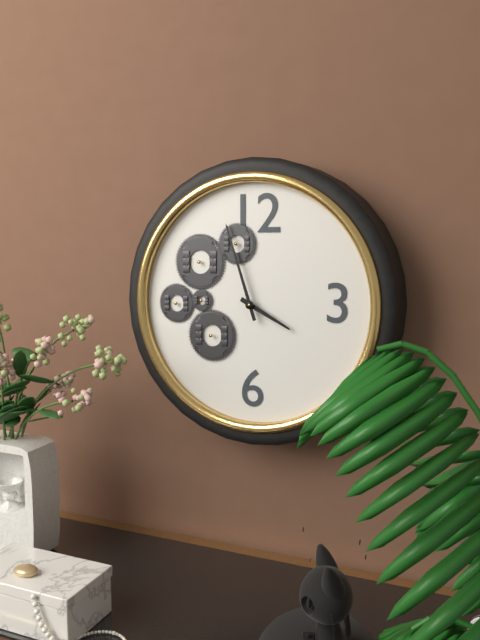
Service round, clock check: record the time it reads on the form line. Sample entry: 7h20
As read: 3h57
